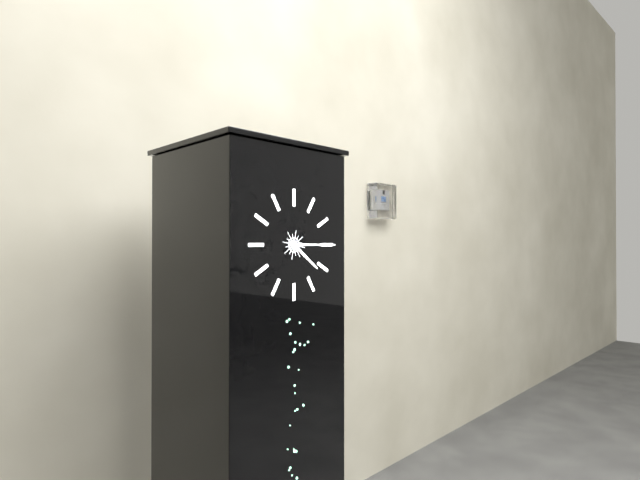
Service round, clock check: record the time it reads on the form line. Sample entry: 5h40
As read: 4h15
